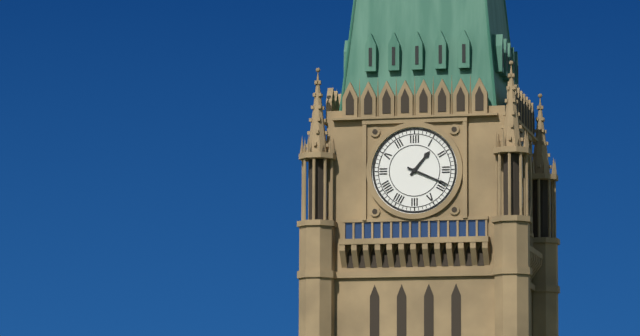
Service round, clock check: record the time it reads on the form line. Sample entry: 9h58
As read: 1h19
